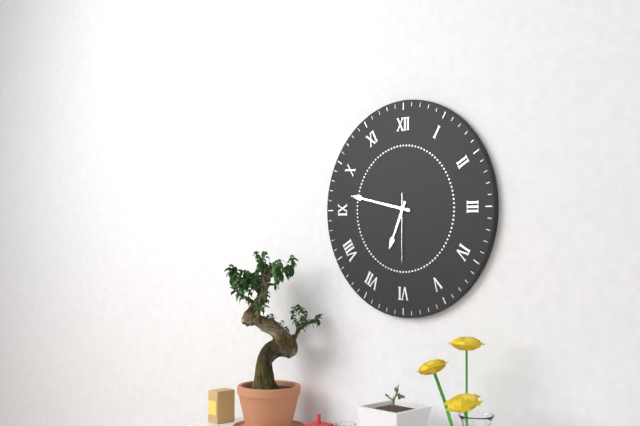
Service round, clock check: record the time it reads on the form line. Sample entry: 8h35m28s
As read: 6h47m30s
